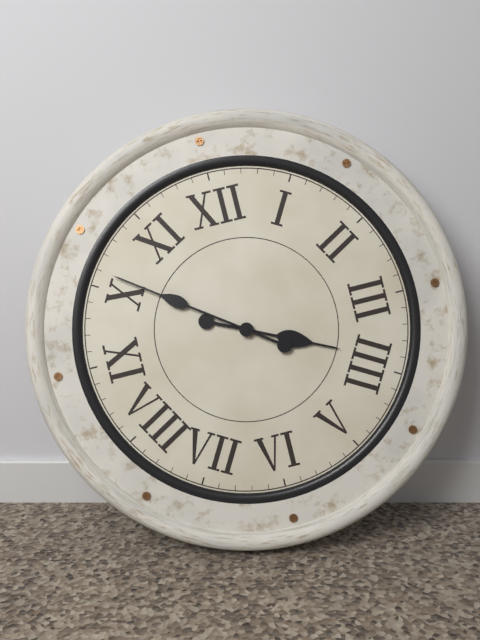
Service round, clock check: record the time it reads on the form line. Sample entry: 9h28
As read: 3h51
